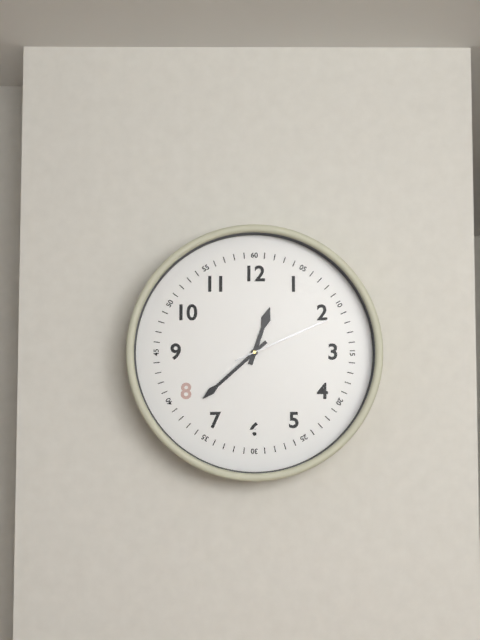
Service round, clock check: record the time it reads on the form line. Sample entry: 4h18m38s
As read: 12h38m11s
